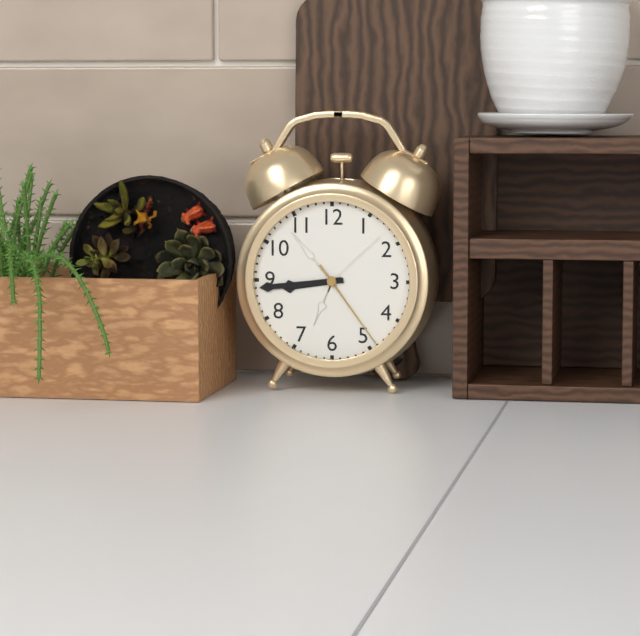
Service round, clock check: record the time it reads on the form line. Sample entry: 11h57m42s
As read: 8h44m24s
